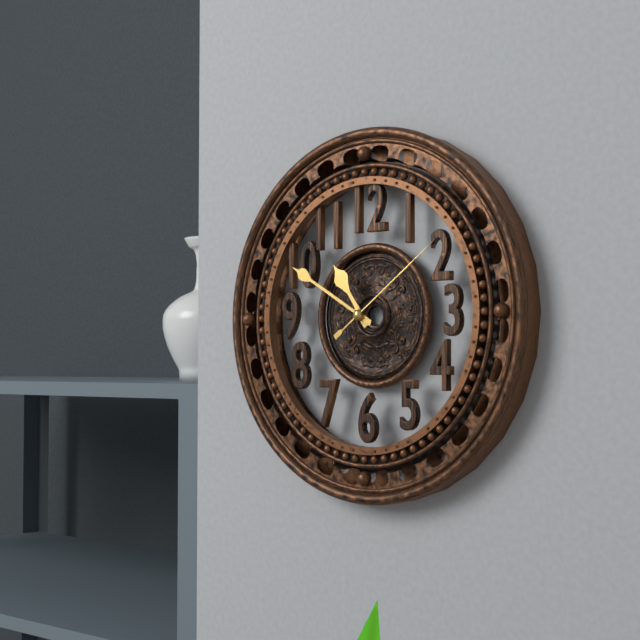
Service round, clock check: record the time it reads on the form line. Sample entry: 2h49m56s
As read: 10h50m09s
